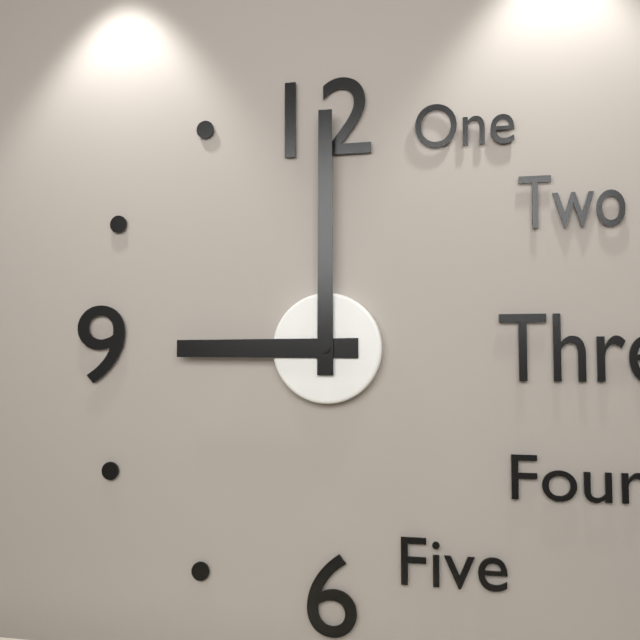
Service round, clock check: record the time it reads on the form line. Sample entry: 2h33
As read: 9h00
